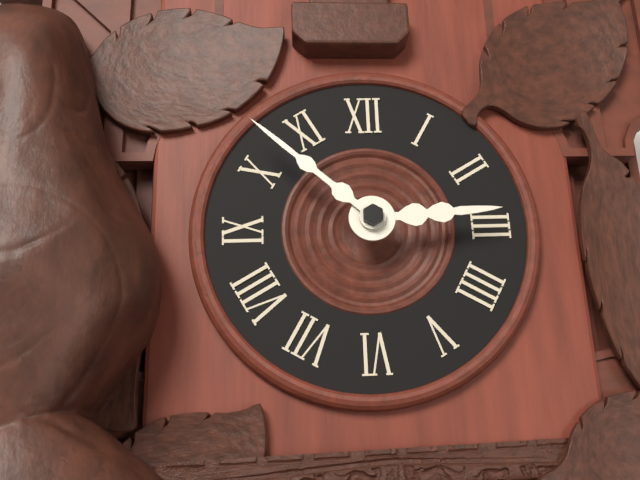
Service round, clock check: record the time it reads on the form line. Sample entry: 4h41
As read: 2h52
